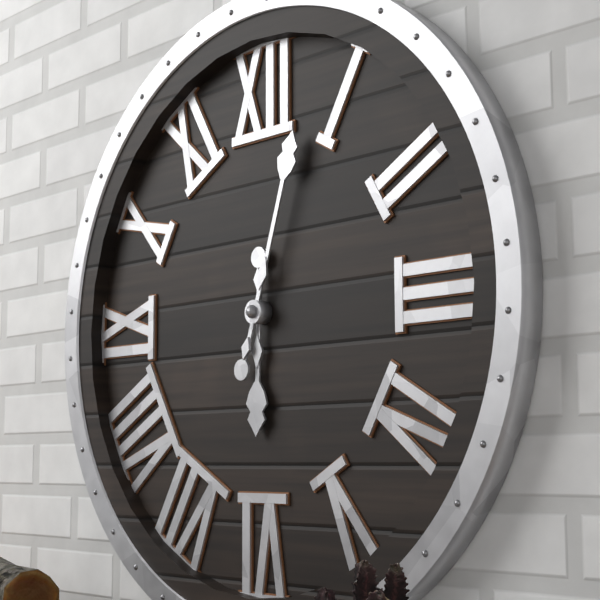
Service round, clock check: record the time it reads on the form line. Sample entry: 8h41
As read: 6h03
